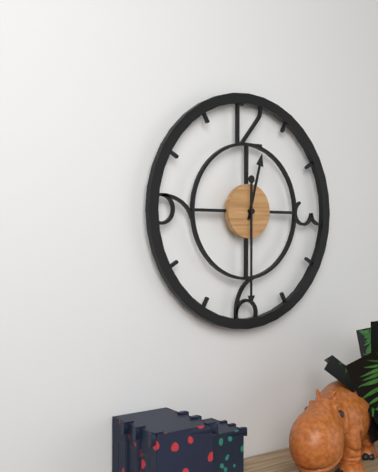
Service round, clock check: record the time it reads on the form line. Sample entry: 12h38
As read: 12h30
